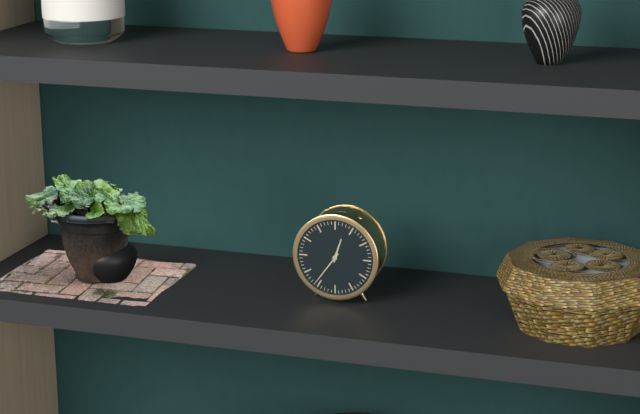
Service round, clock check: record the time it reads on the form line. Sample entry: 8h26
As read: 12h36
